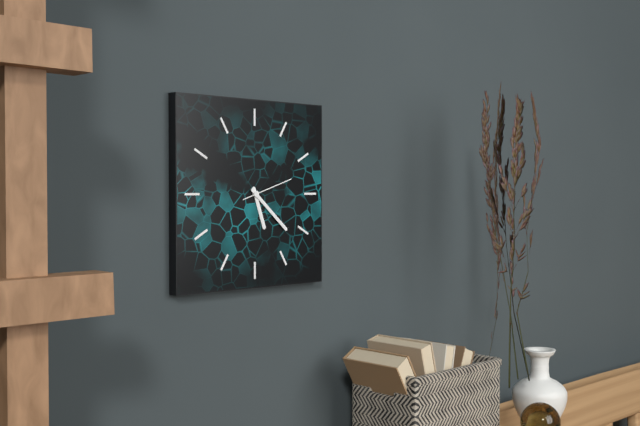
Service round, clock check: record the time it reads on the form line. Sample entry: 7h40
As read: 5h22
